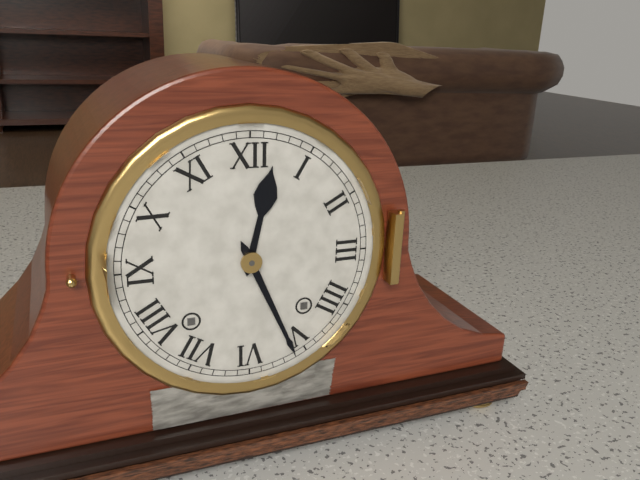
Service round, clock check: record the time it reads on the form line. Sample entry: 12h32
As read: 12h26
